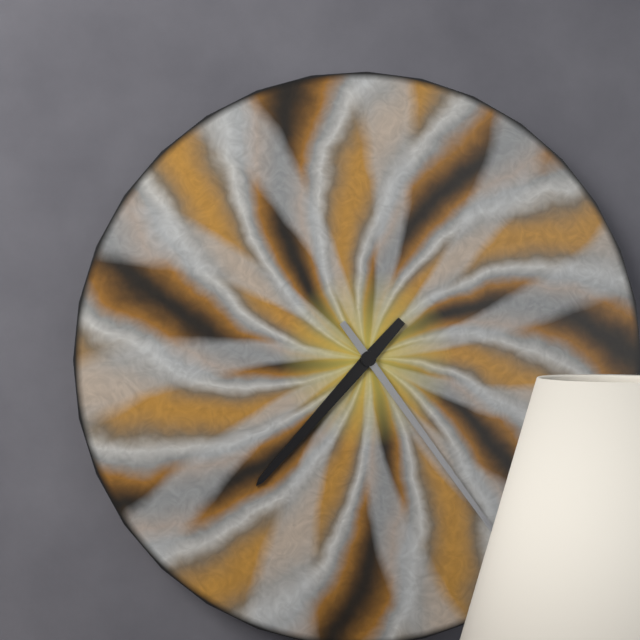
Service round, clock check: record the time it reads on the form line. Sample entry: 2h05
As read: 7h24
